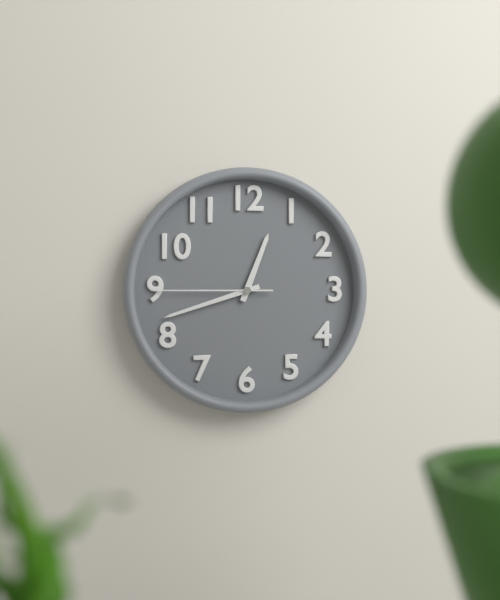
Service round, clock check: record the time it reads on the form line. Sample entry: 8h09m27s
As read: 12h42m45s
